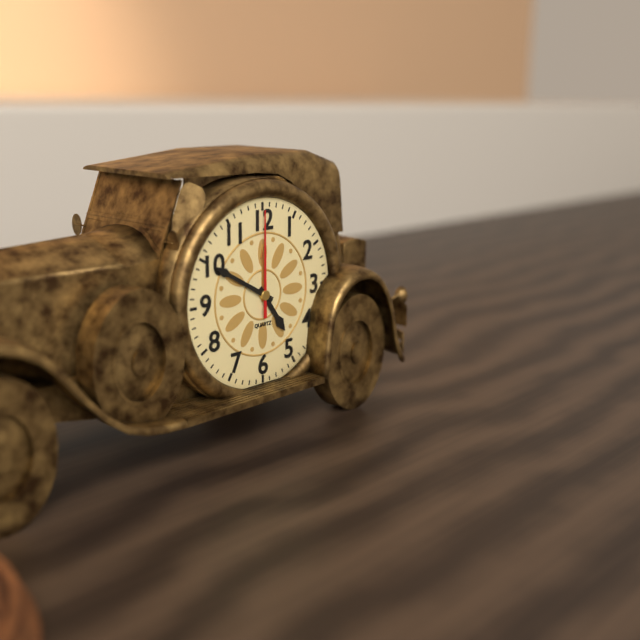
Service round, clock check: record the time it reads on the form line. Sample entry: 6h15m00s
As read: 4h50m00s
